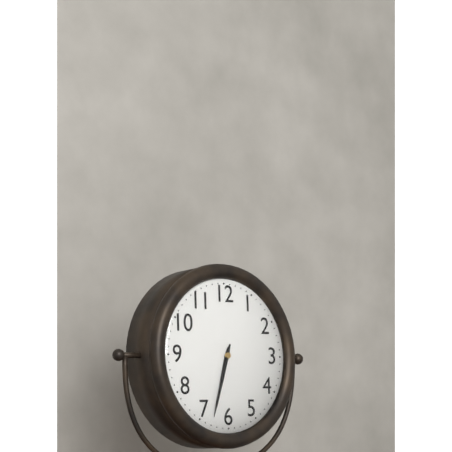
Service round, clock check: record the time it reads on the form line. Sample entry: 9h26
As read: 6h33
